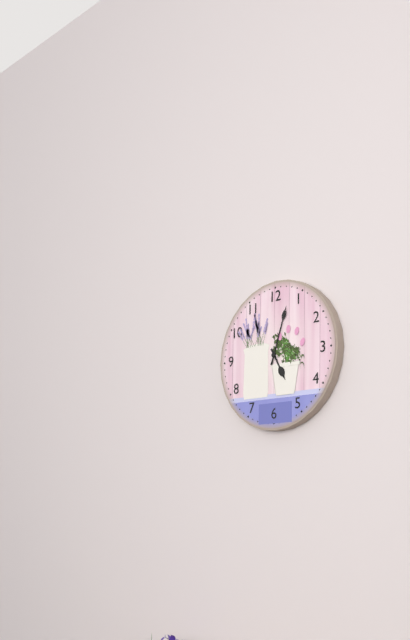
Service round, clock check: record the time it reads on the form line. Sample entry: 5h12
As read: 5h03
